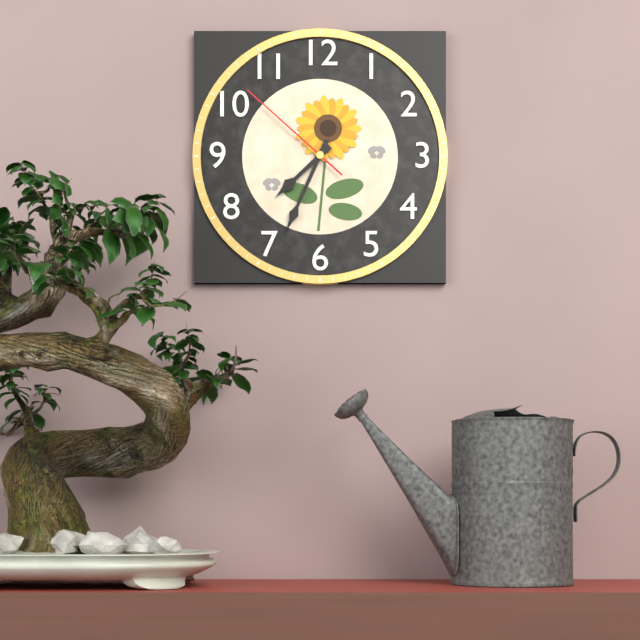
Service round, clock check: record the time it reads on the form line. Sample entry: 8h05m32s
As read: 7h34m52s
